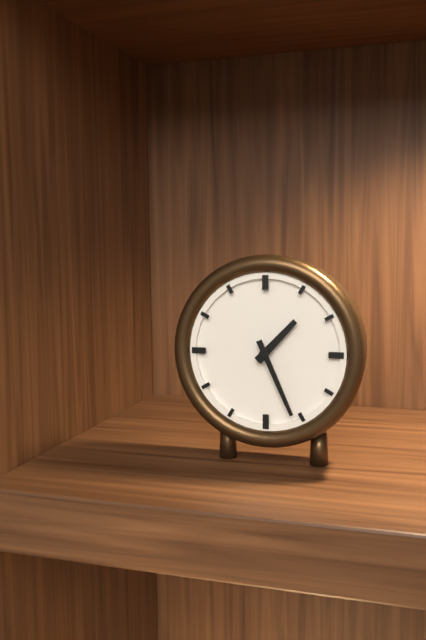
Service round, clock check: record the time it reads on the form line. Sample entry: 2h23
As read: 1h26
